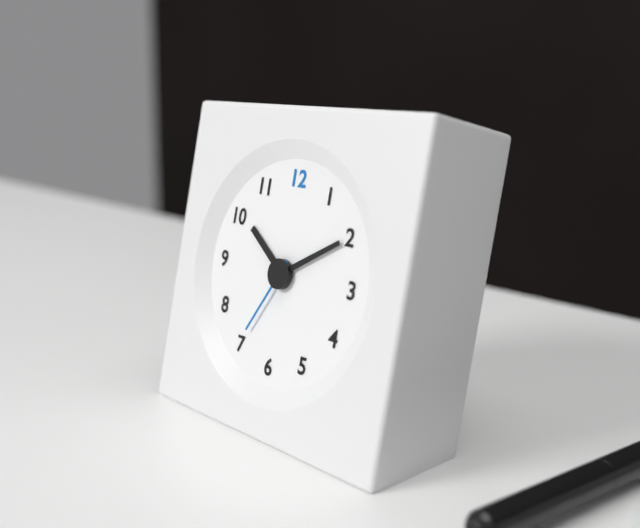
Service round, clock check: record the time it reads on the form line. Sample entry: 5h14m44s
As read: 10h10m35s
